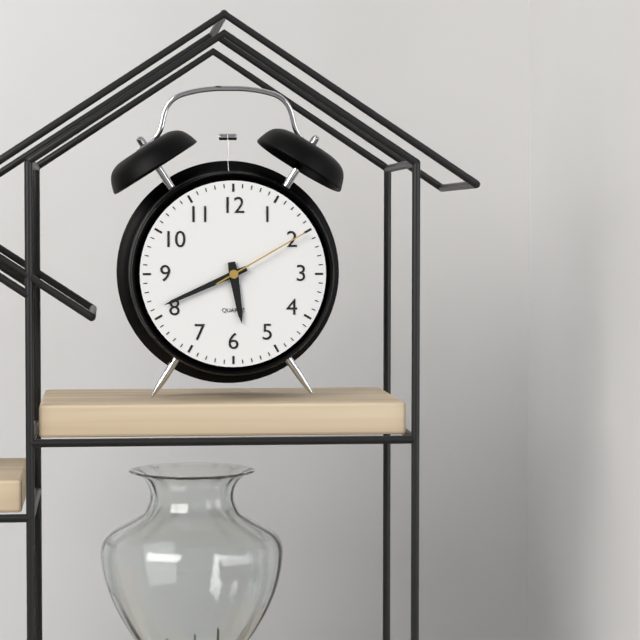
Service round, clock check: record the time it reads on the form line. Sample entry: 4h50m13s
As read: 5h41m10s
